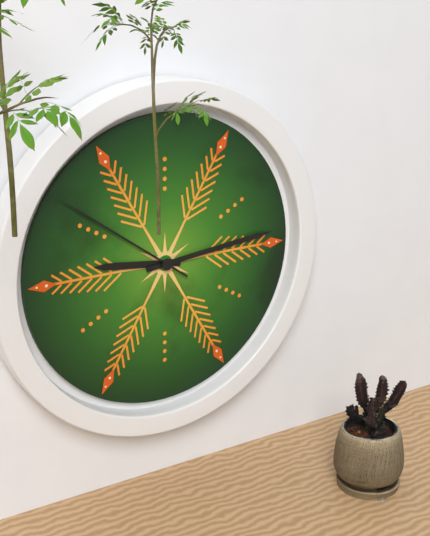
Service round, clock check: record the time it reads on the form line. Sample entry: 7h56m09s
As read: 9h14m51s
